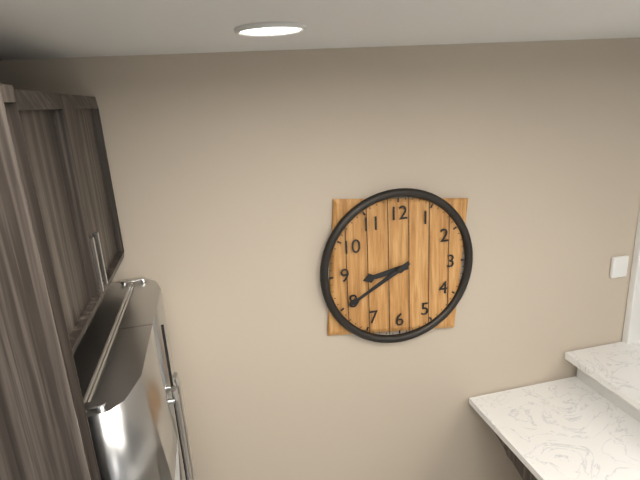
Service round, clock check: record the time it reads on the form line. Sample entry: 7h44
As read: 8h40
